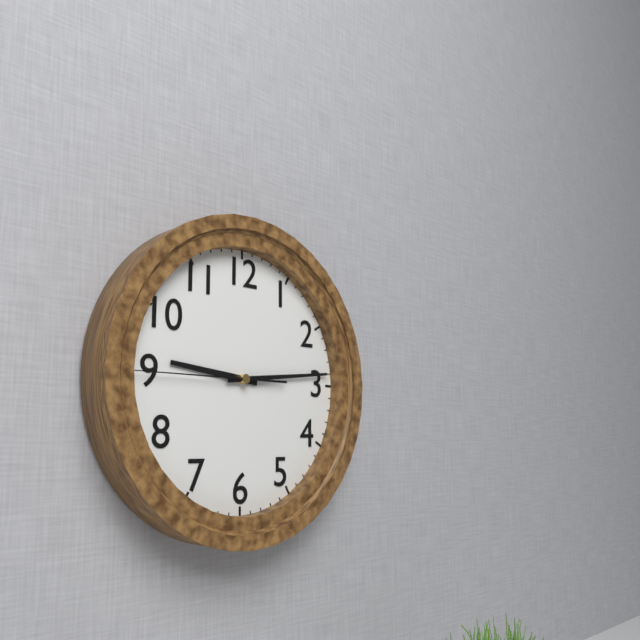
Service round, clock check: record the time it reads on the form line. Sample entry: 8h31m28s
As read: 9h14m45s
